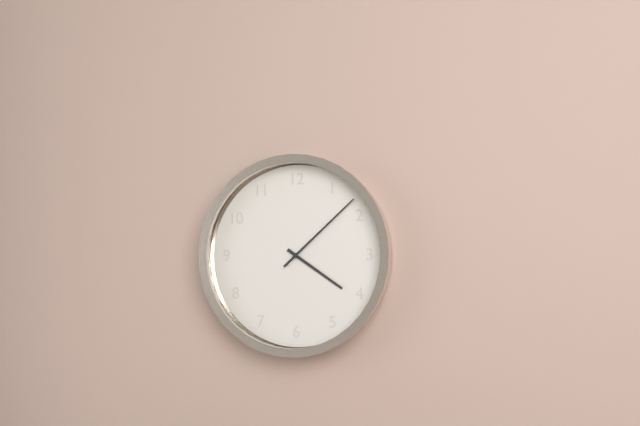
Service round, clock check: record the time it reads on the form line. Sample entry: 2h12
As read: 4h08
